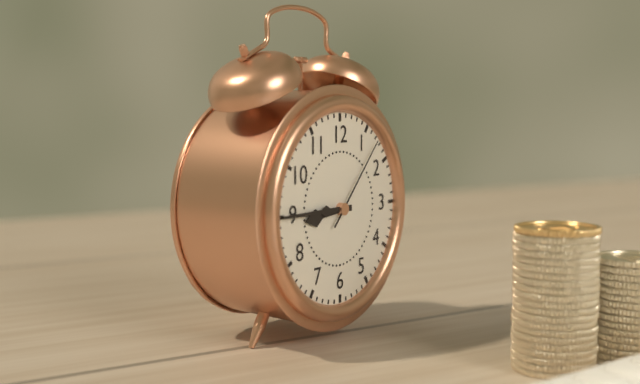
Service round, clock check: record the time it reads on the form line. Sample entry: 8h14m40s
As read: 8h45m07s
